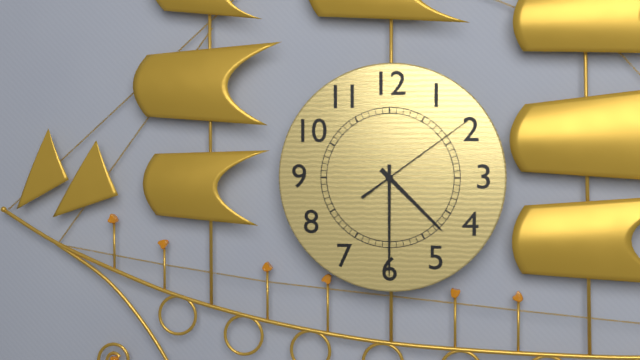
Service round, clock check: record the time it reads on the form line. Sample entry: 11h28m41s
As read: 4h30m09s
